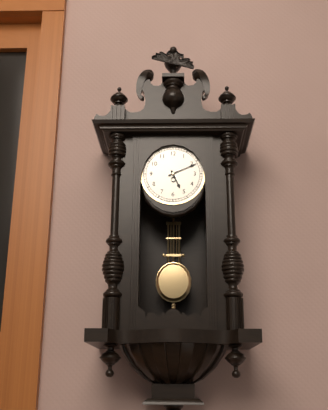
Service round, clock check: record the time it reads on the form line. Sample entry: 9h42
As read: 5h11
